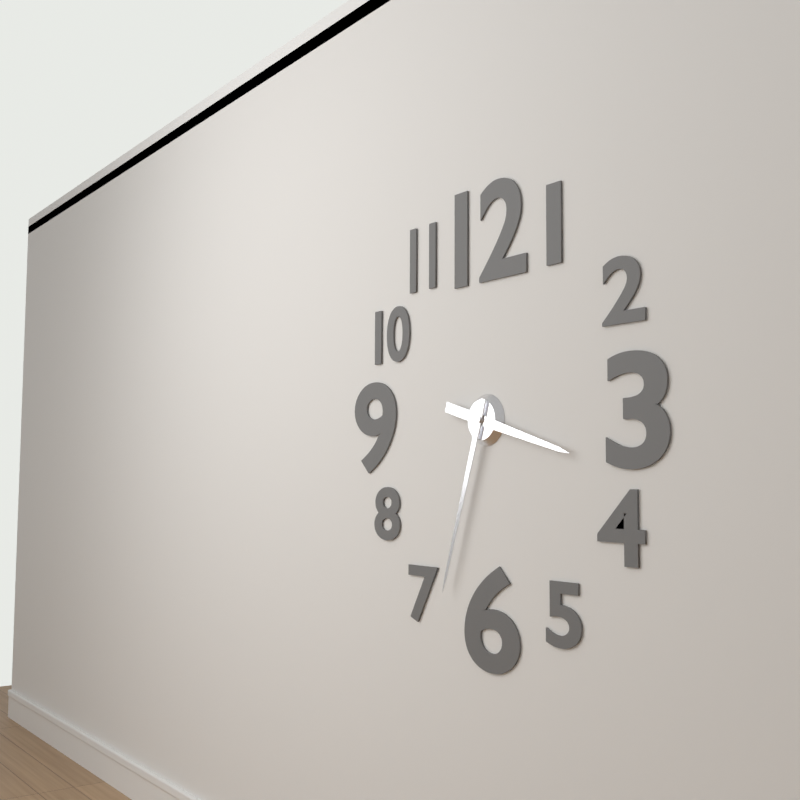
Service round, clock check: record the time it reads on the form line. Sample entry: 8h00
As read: 3h33
